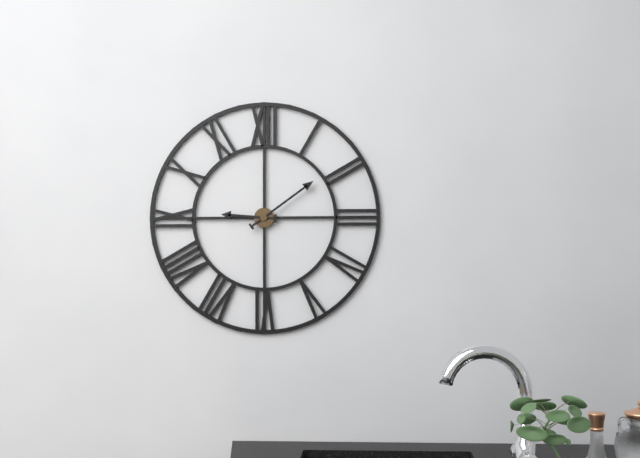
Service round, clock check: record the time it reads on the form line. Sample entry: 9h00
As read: 9h09
